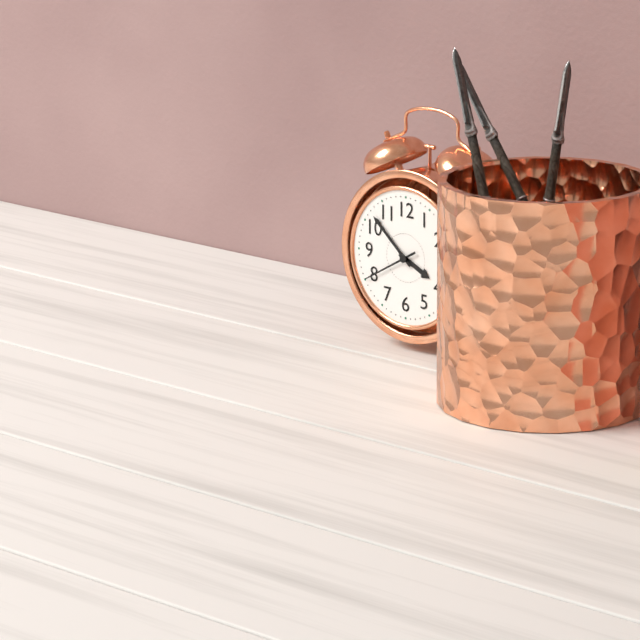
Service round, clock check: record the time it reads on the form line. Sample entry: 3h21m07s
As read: 3h52m40s
